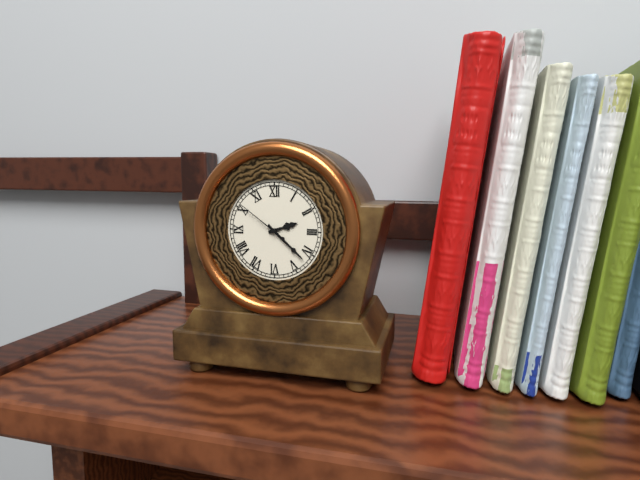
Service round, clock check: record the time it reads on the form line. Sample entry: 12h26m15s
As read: 2h22m51s
